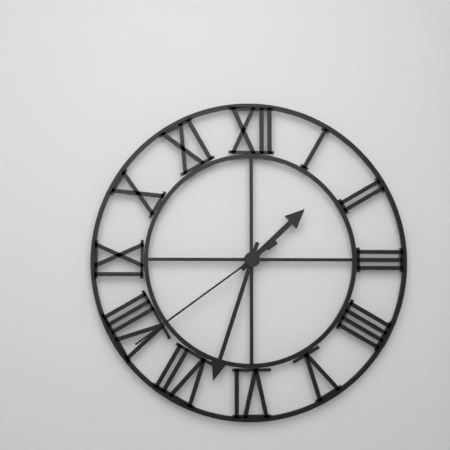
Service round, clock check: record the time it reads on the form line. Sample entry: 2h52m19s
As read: 1h33m39s
